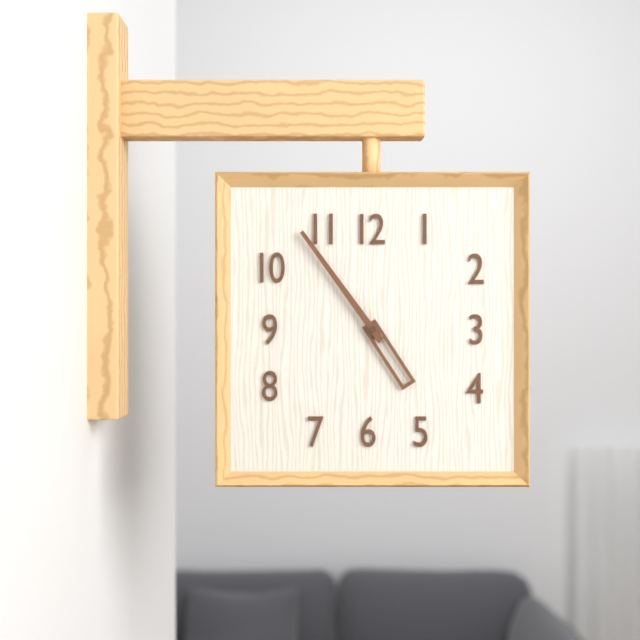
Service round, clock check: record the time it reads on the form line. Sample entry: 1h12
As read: 4h54
